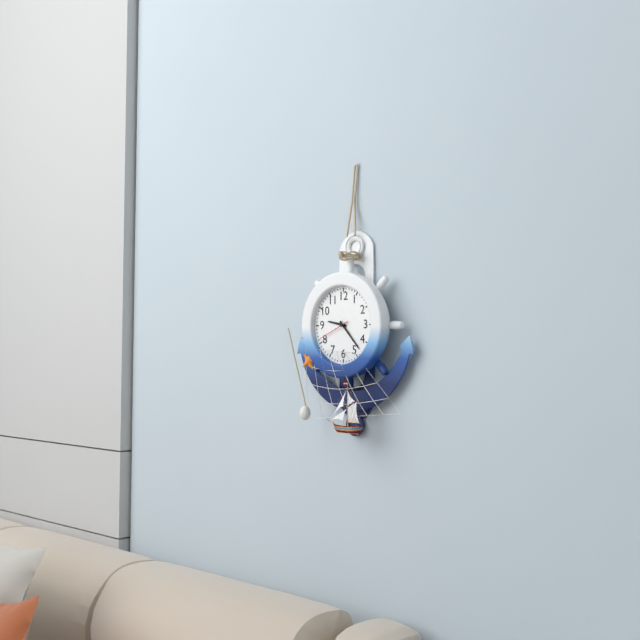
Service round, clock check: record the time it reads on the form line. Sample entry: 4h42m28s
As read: 9h23m41s
